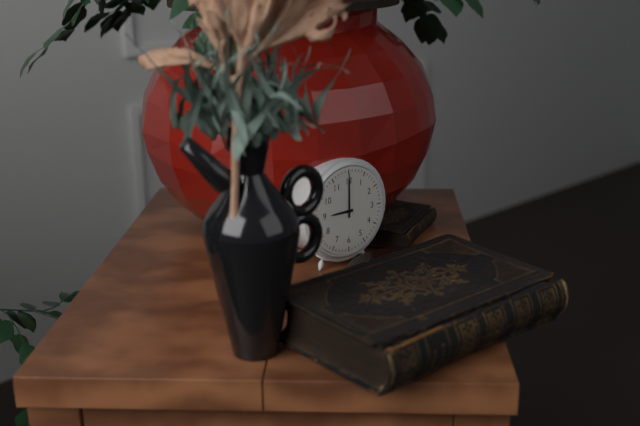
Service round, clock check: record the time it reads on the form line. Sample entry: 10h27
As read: 9h00
